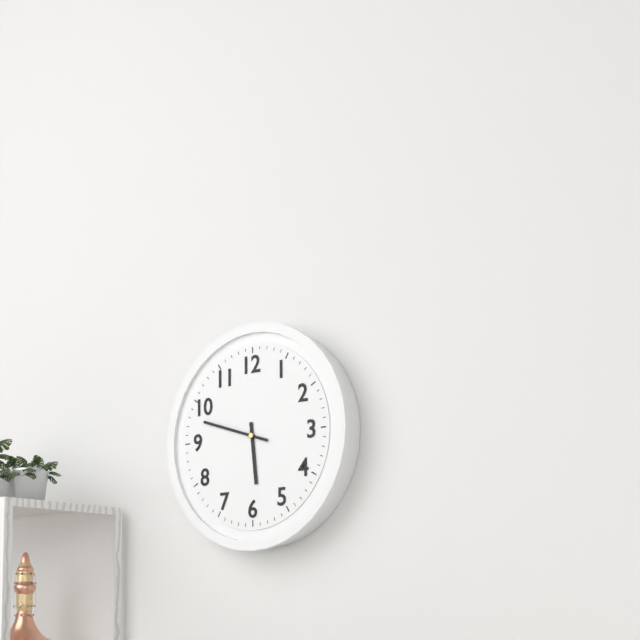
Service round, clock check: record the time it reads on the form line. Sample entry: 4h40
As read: 5h48
